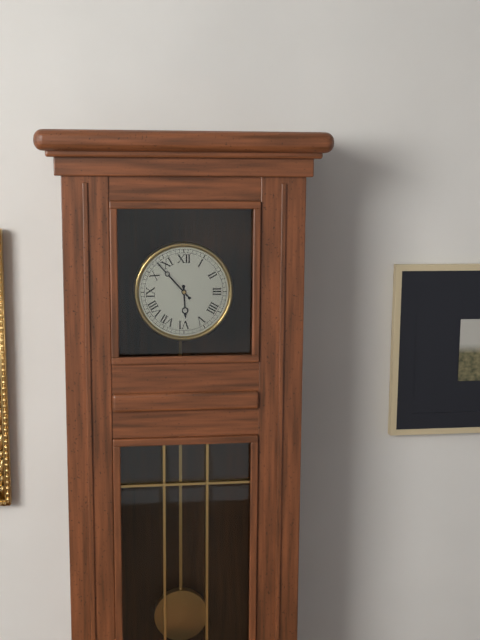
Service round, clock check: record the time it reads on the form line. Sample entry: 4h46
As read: 5h53
